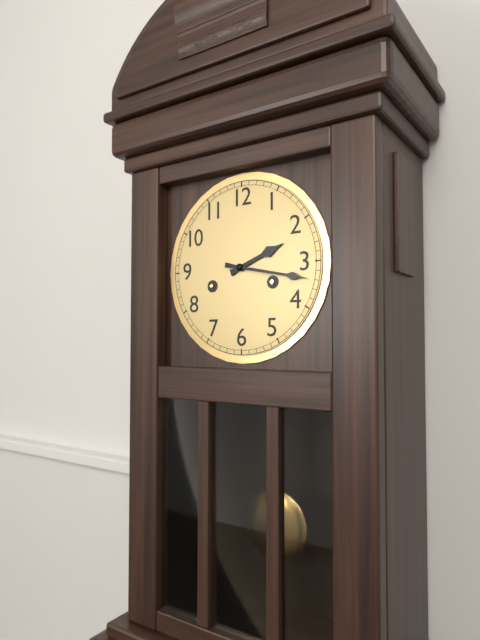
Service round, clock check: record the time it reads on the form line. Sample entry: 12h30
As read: 2h17
